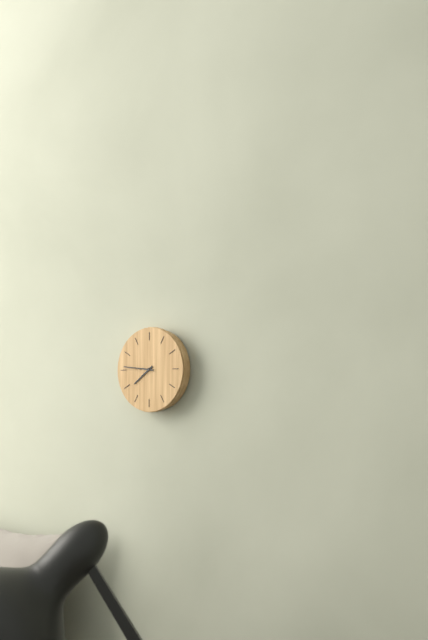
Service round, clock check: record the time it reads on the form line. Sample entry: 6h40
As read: 7h46
